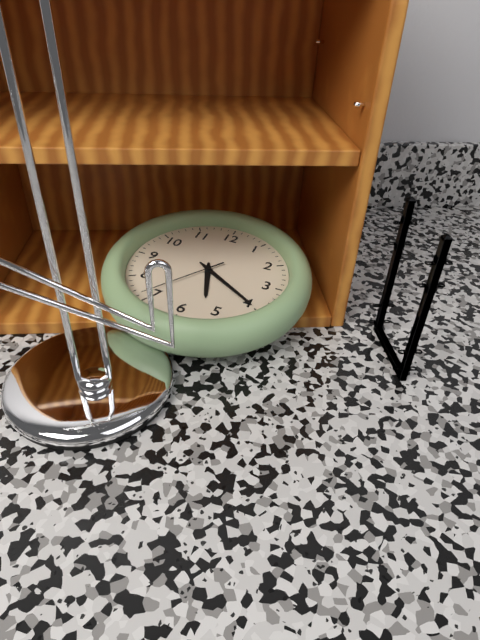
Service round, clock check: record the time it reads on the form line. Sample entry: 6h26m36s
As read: 5h20m36s
